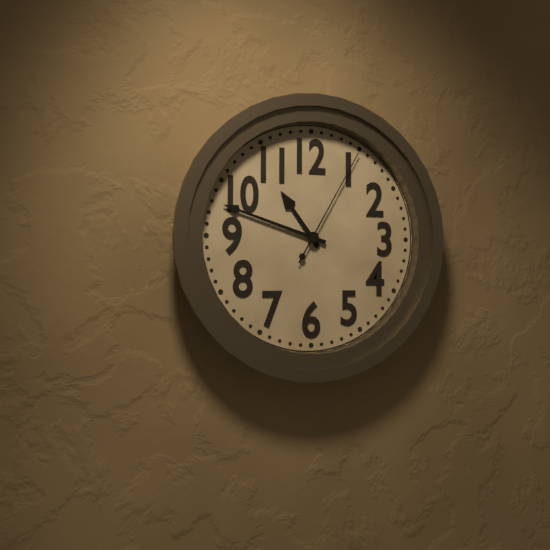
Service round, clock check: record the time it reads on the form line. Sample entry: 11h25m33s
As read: 10h48m05s
